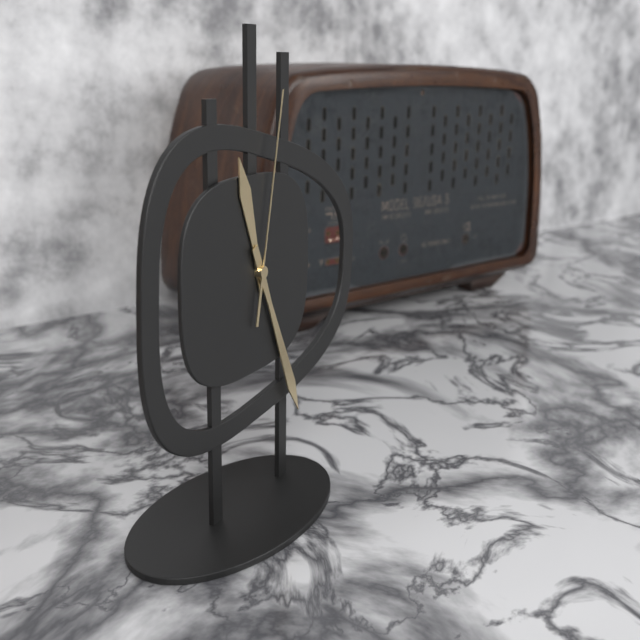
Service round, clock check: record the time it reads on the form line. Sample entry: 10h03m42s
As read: 11h26m02s
